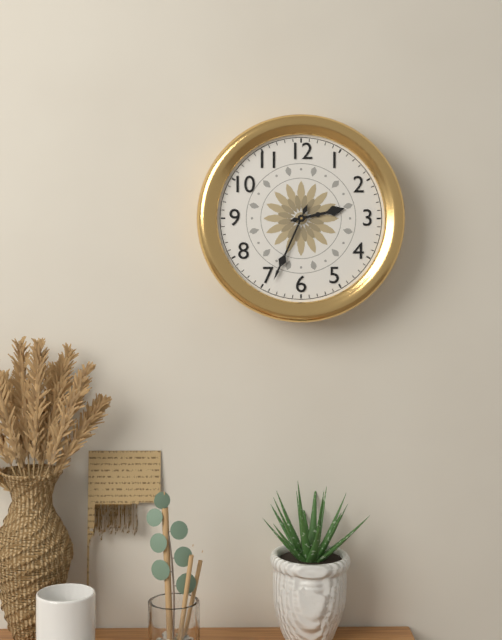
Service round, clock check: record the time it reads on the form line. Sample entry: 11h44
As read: 2h34
